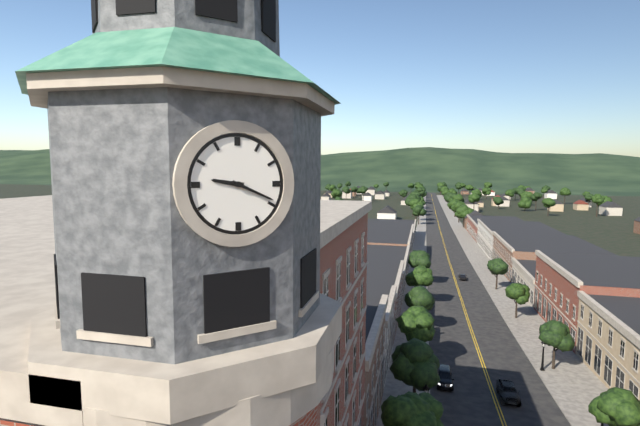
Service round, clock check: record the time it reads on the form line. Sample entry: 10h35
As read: 9h19
